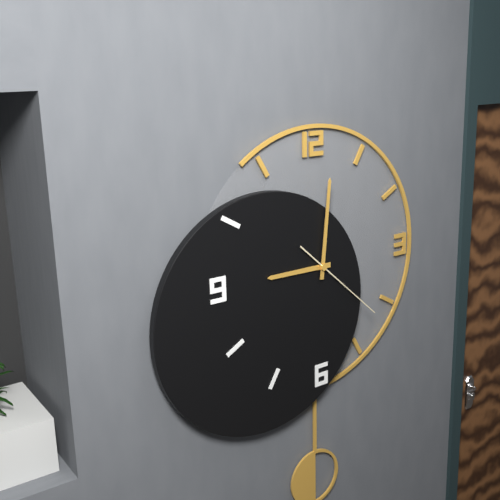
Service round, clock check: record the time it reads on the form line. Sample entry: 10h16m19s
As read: 9h01m22s
